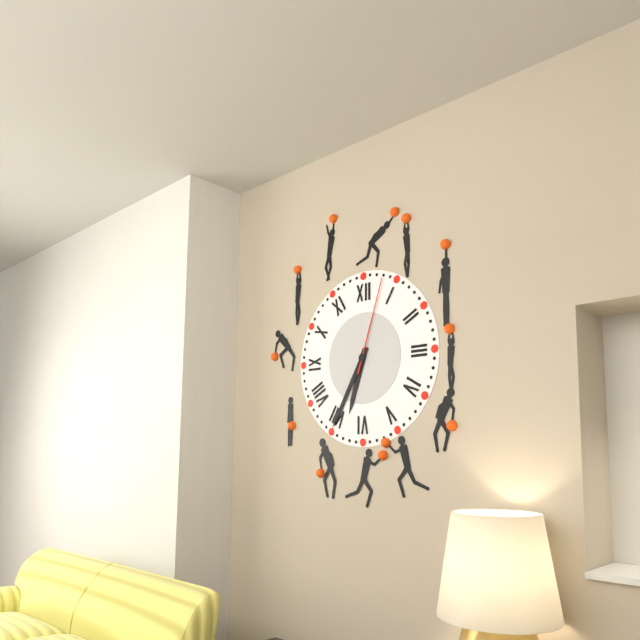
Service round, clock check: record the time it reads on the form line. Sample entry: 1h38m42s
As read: 6h35m03s
